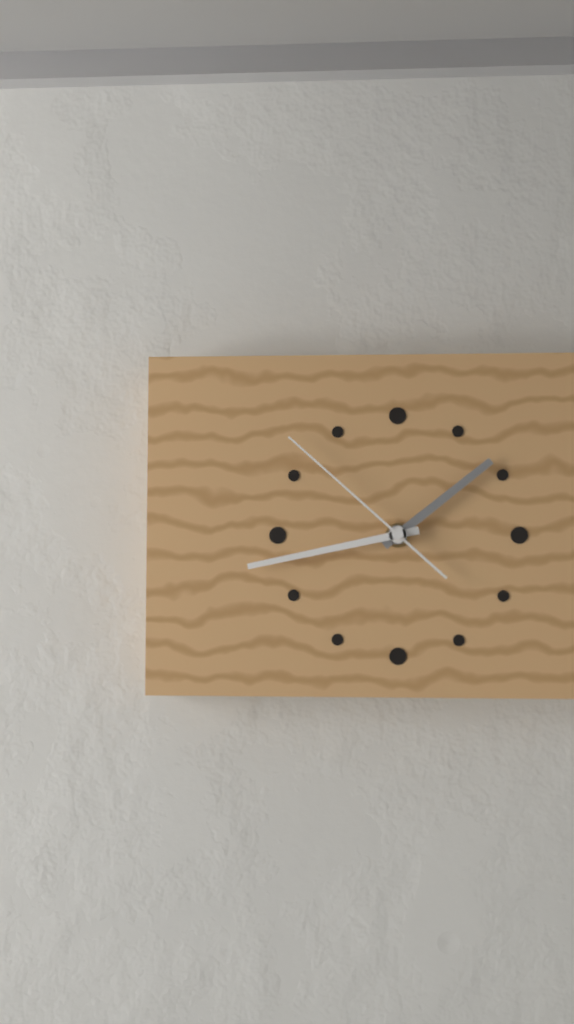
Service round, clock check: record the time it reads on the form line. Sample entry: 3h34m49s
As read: 1h43m52s
